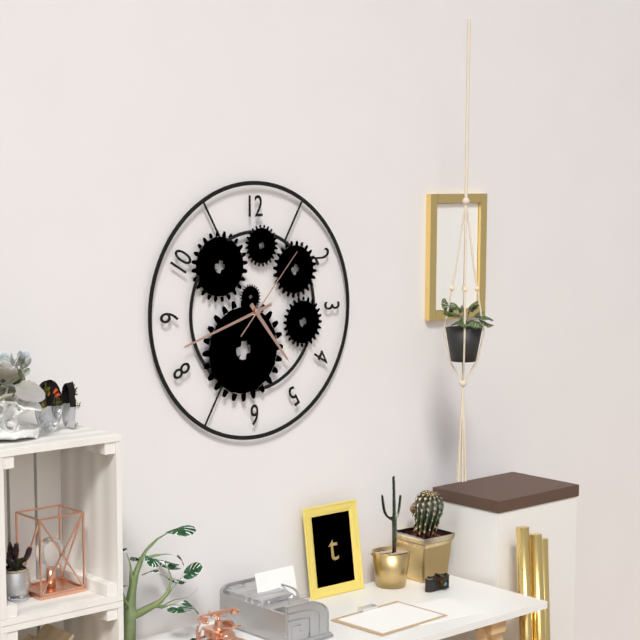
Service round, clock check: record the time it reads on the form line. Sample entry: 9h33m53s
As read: 4h42m07s
